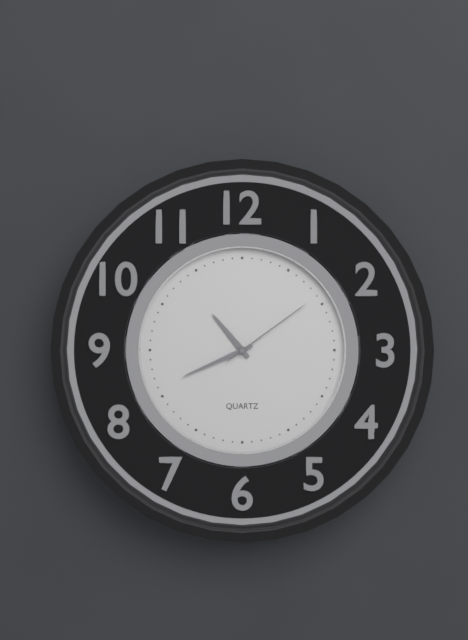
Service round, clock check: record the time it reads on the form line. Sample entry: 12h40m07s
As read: 10h41m09s
